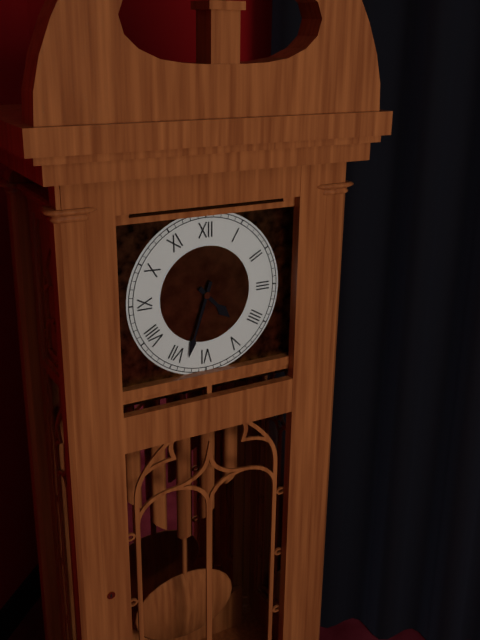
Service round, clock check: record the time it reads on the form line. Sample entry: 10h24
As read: 4h33
